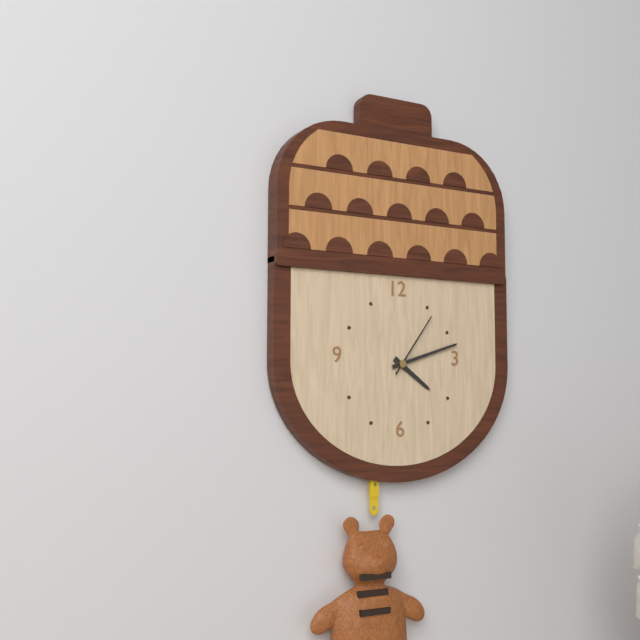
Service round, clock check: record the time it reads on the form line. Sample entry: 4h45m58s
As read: 4h12m06s
